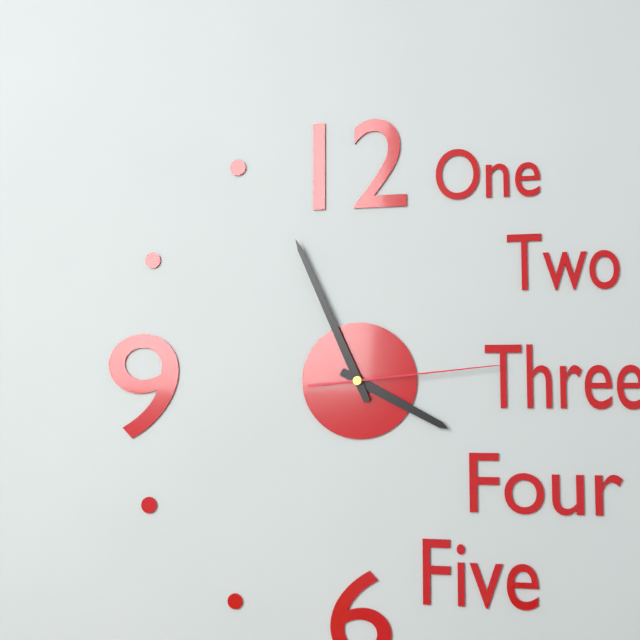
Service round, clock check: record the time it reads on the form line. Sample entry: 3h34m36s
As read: 3h56m14s
